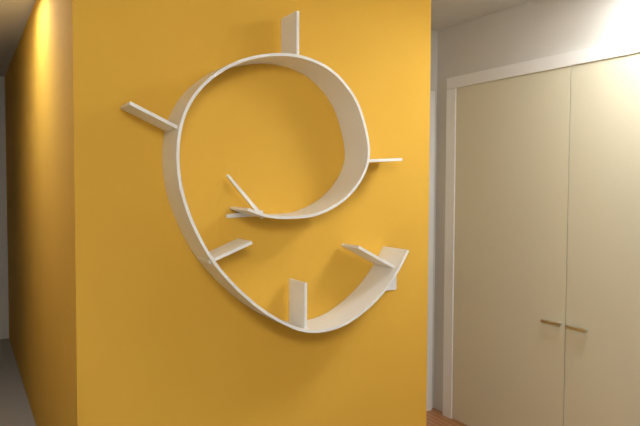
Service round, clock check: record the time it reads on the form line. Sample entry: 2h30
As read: 8h53
